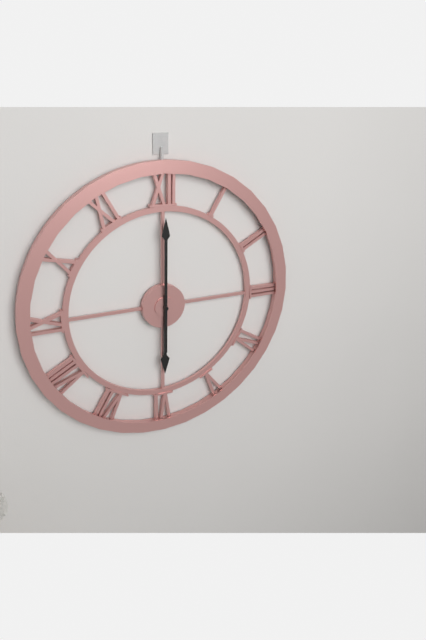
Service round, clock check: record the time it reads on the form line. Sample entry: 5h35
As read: 6h00
